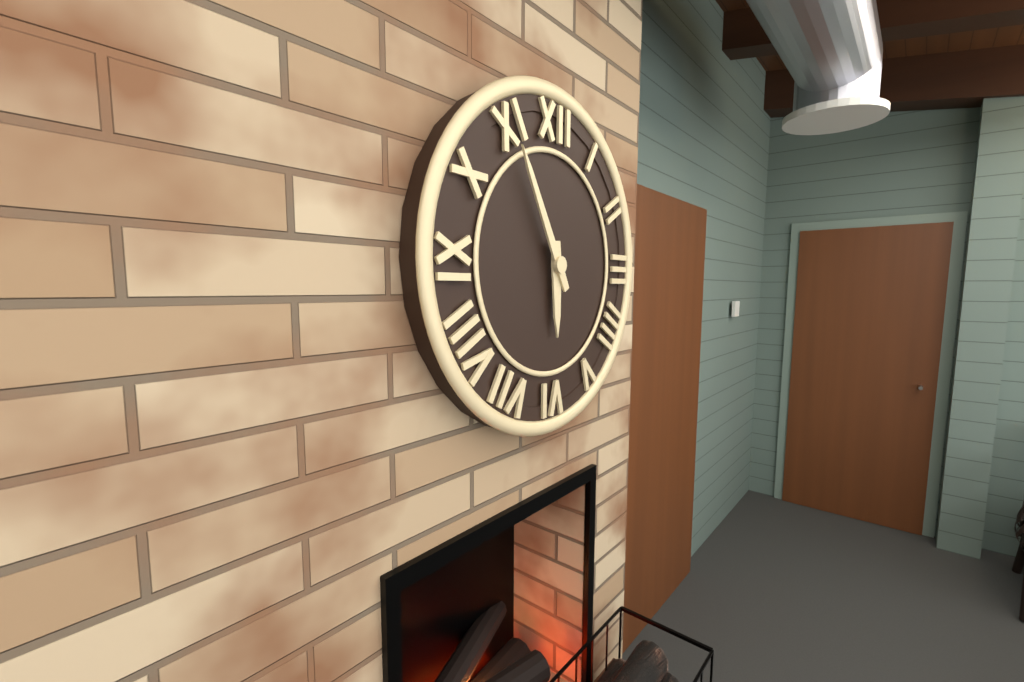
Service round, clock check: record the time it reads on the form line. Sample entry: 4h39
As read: 5h55
